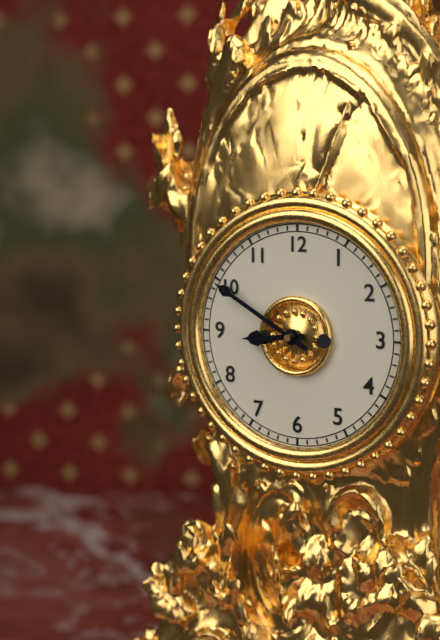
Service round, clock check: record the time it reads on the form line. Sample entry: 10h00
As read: 8h50
